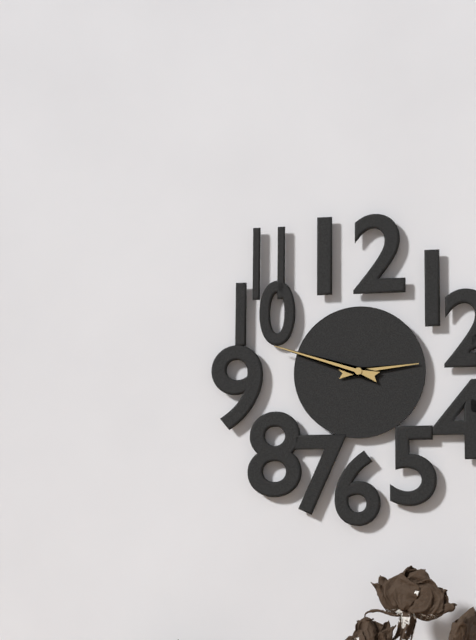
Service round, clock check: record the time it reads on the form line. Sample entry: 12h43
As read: 2h48
